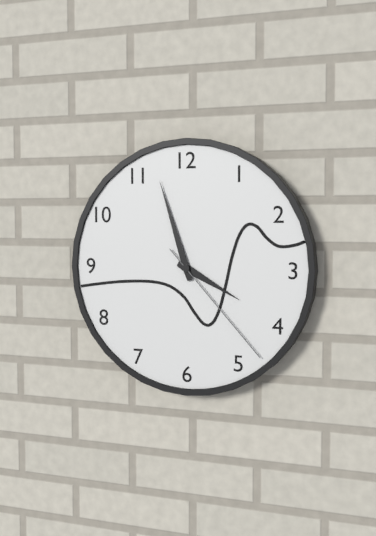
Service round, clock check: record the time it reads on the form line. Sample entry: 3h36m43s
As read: 3h57m23s
